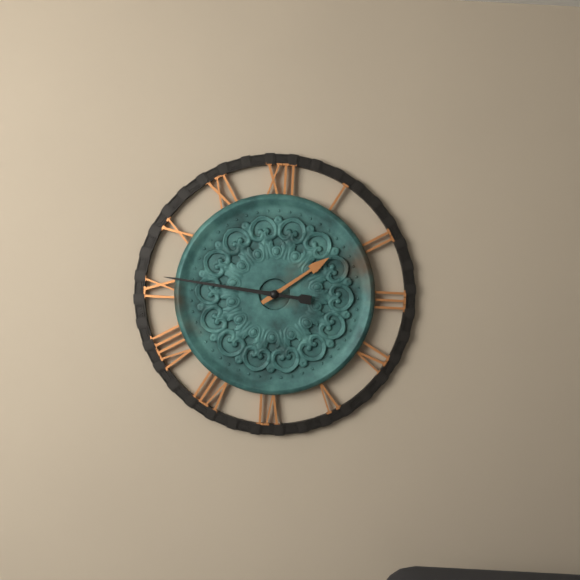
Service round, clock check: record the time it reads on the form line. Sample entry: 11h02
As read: 1h46
